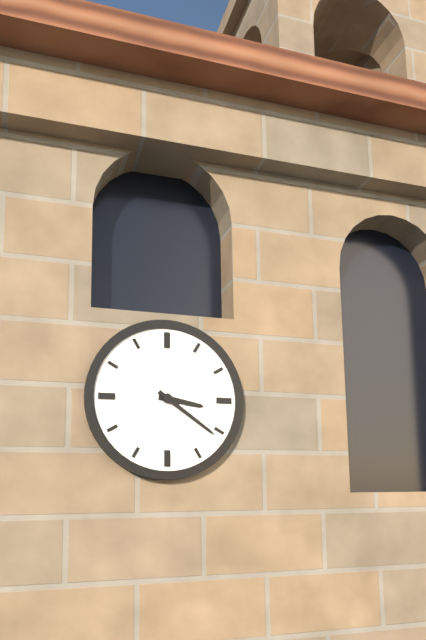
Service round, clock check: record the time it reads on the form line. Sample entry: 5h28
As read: 3h21
